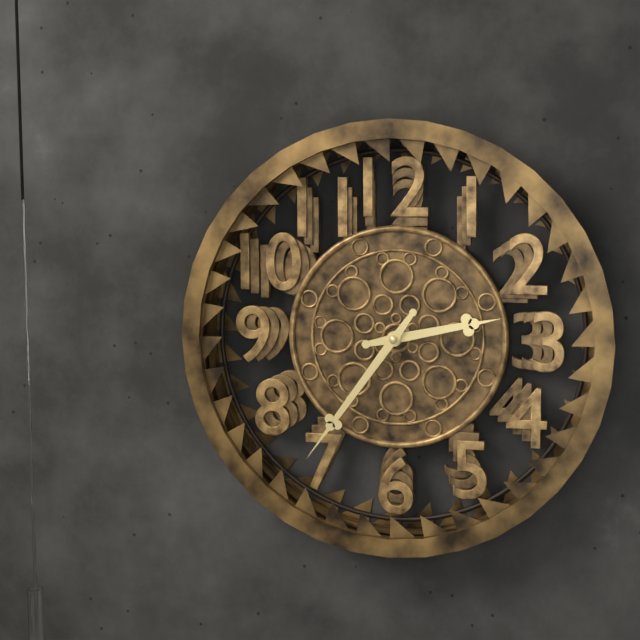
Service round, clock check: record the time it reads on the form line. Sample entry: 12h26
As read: 2h36
